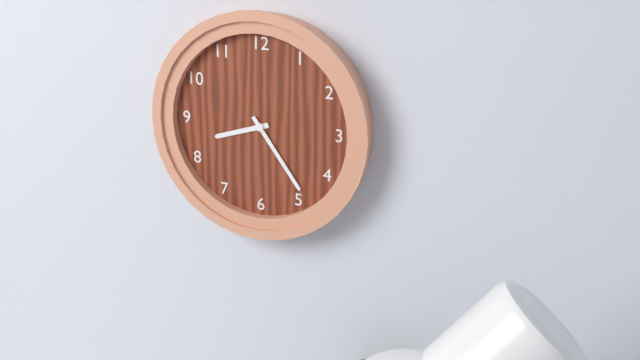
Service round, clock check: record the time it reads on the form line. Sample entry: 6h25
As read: 8h24
